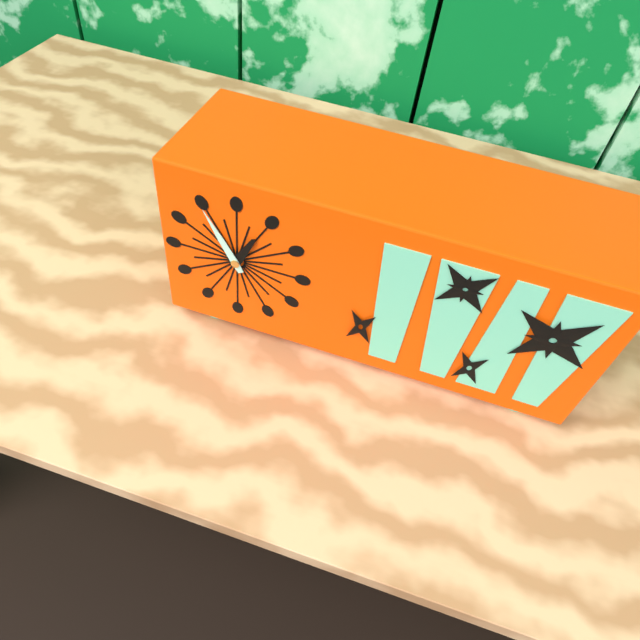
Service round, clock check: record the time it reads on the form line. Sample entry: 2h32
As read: 12h55
